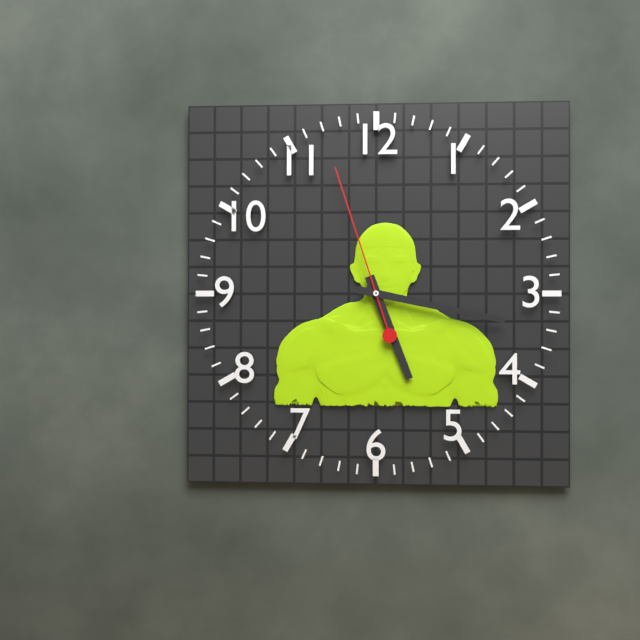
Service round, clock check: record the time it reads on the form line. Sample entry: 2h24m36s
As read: 5h17m57s
